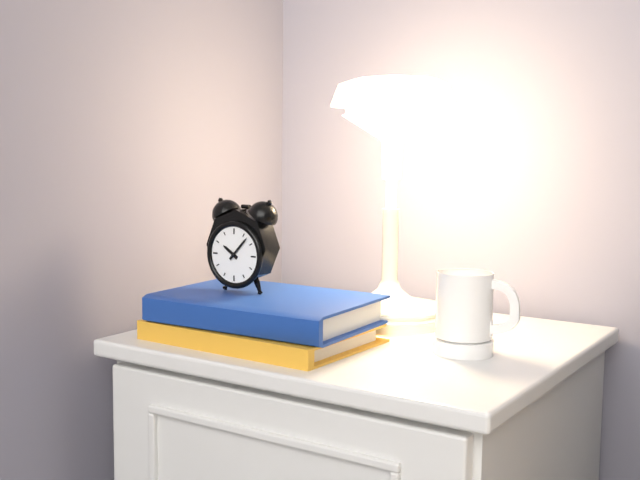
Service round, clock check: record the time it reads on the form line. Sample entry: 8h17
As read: 10h07
